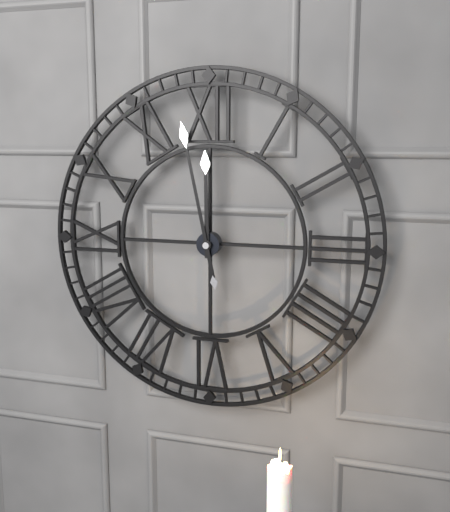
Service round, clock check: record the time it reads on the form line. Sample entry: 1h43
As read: 11h58
